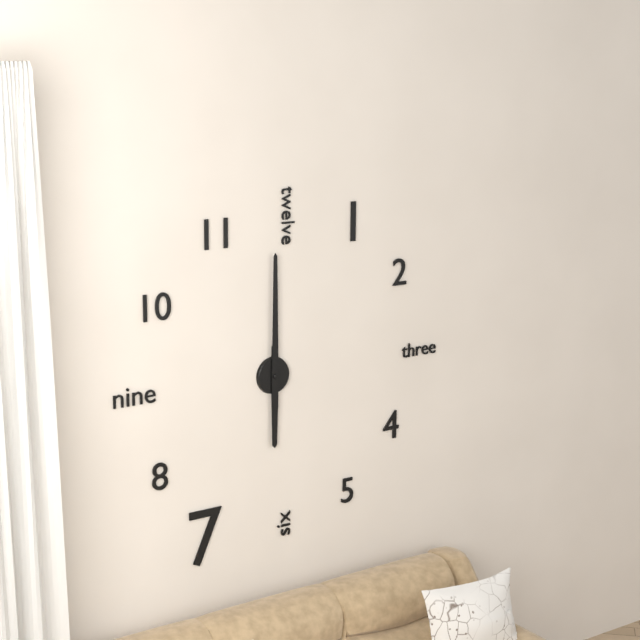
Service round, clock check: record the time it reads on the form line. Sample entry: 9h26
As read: 6h00
